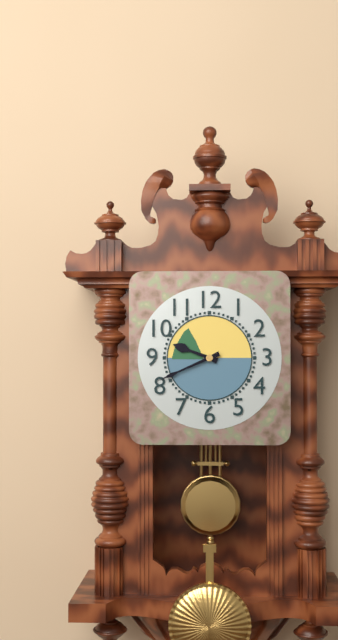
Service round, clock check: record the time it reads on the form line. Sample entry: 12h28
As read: 9h41
